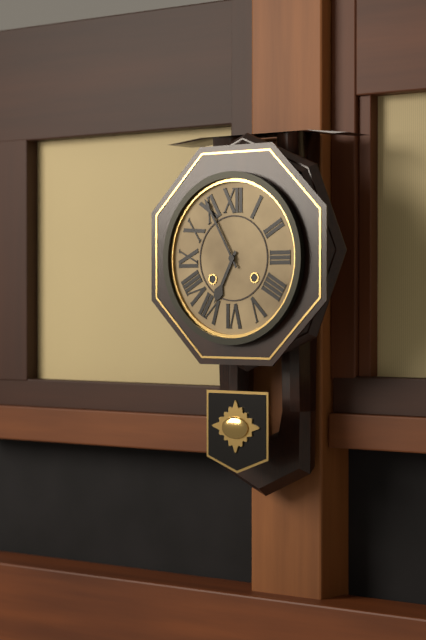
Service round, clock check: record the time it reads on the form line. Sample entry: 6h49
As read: 6h55
